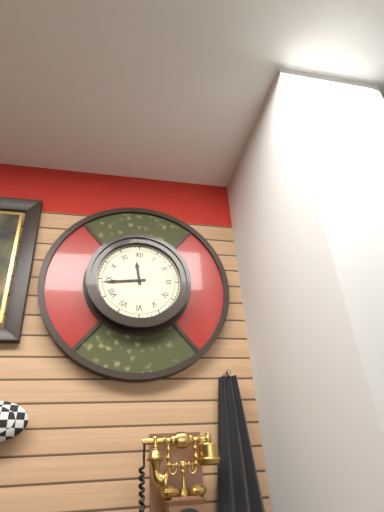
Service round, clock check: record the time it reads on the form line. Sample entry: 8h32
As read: 11h44
